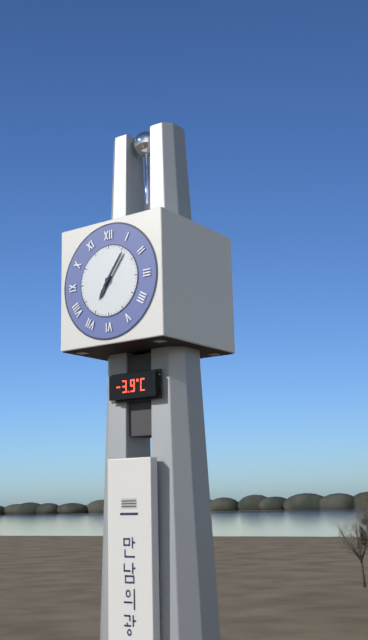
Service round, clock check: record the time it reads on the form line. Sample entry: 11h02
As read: 7h06
